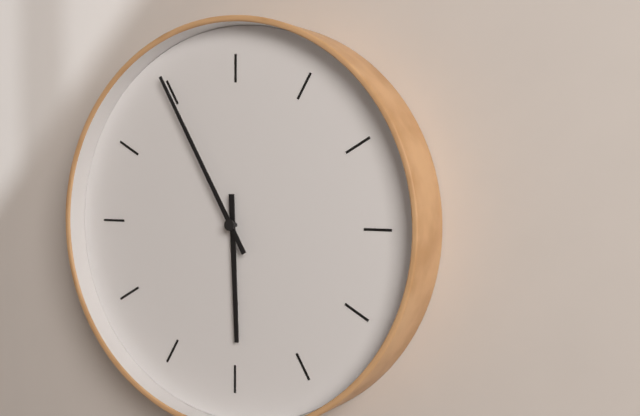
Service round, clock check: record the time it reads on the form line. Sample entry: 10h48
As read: 5h55
